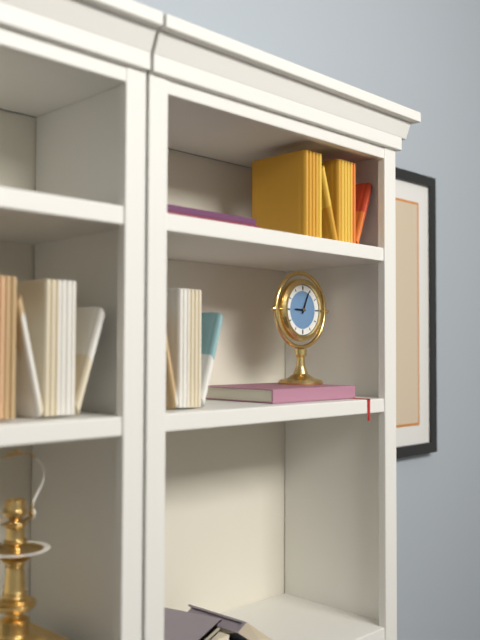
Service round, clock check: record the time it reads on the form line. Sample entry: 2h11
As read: 9h04
